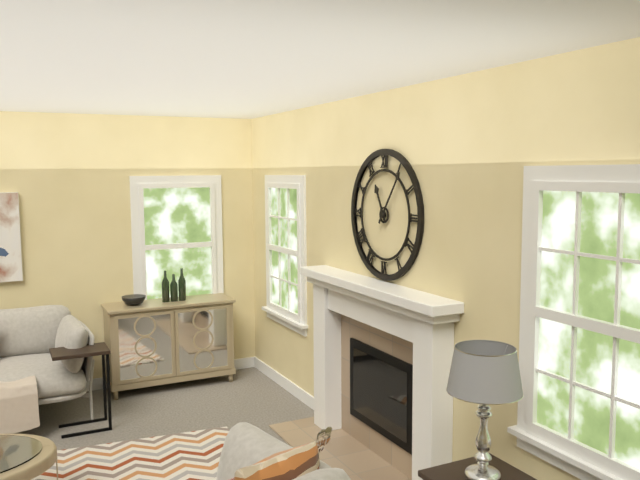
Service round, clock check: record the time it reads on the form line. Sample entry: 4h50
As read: 11h06
